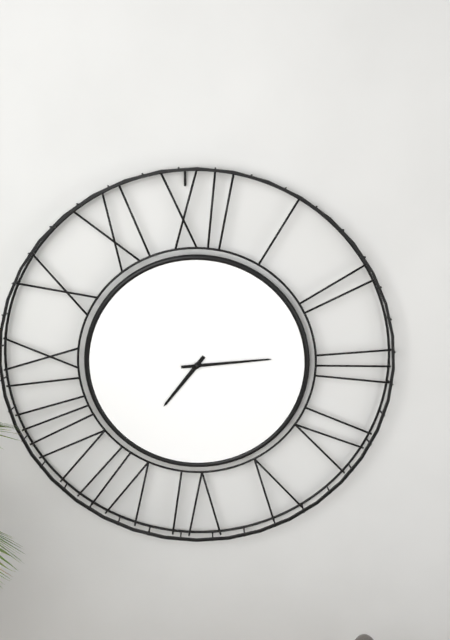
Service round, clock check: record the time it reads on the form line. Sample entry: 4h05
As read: 7h14
